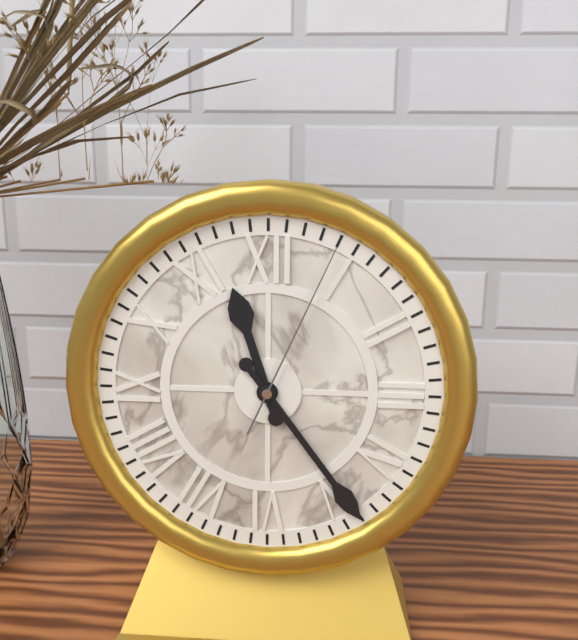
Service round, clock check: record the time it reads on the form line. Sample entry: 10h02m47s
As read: 11h24m04s
